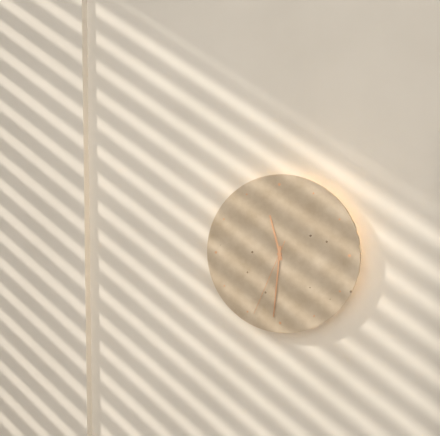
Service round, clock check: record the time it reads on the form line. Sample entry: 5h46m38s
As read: 11h31m34s
